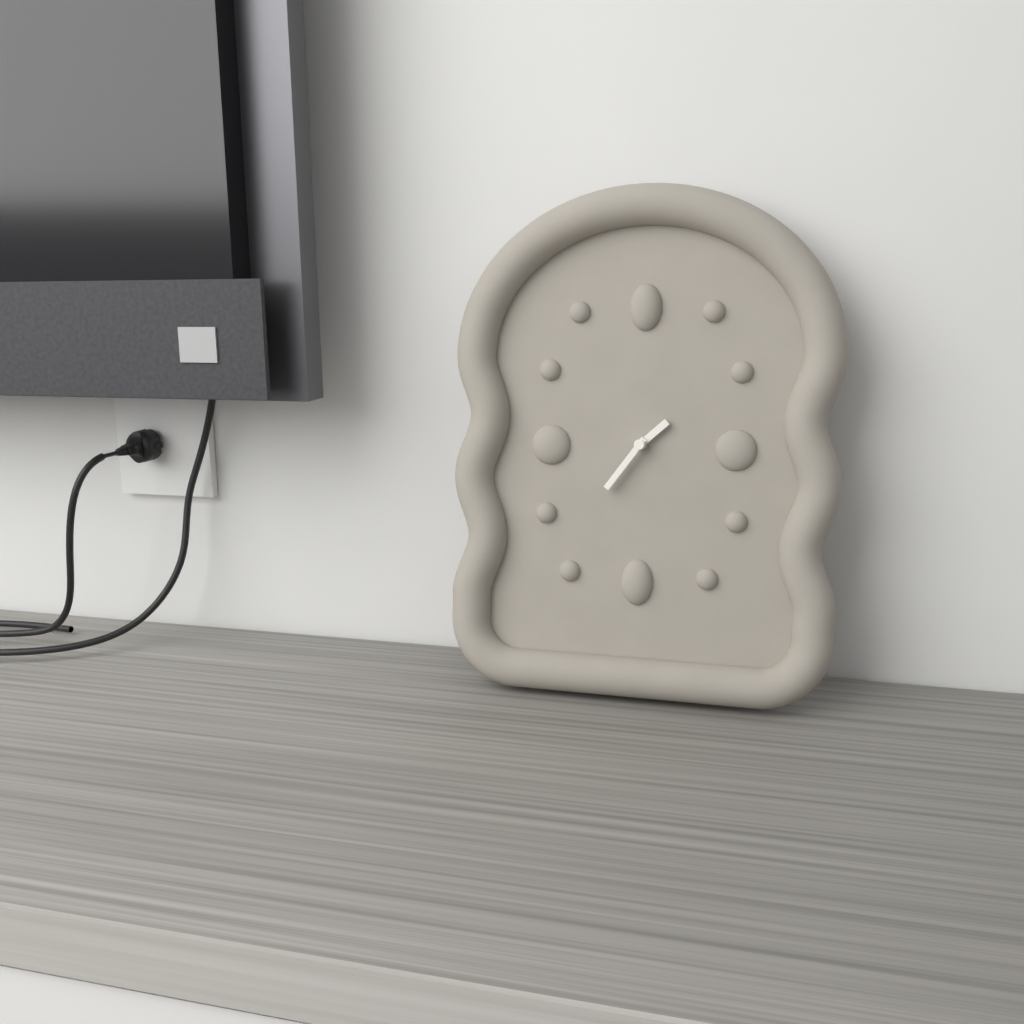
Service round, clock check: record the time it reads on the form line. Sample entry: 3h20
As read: 1h36
